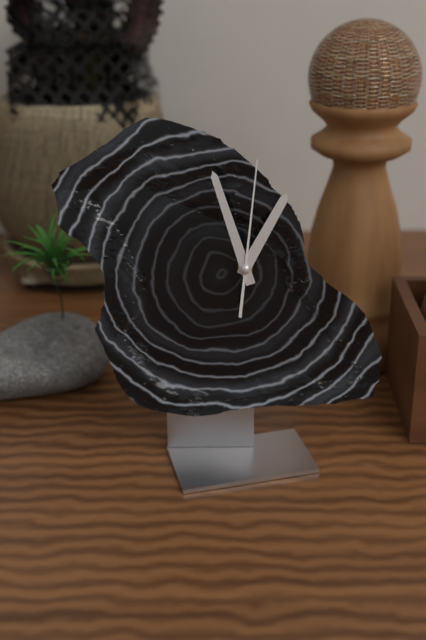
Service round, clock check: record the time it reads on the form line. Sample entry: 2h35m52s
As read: 12h57m01s
